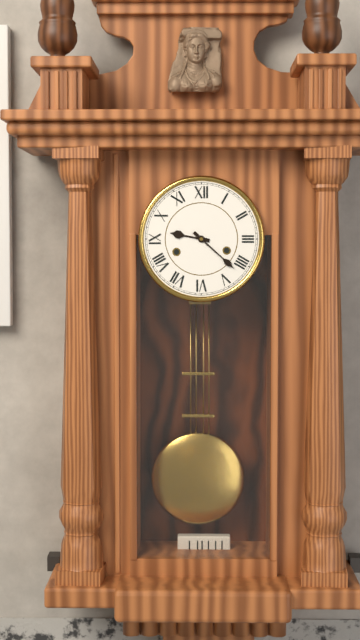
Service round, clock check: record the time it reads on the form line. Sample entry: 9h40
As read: 9h22
